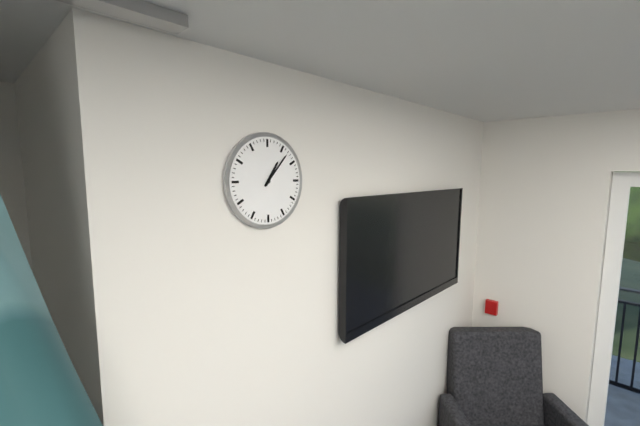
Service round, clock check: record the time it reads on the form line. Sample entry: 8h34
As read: 1h07
